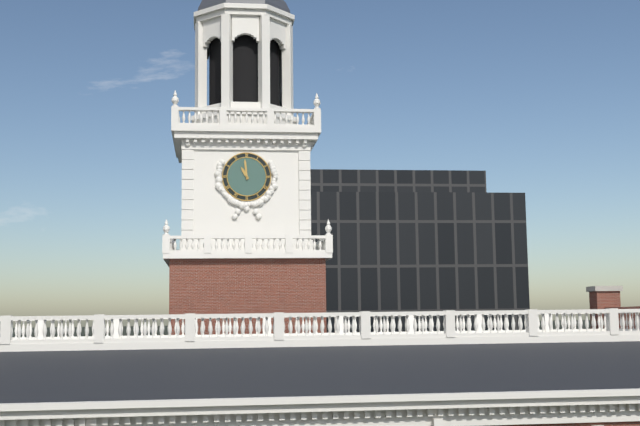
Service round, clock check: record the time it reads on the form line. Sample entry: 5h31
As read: 10h59
